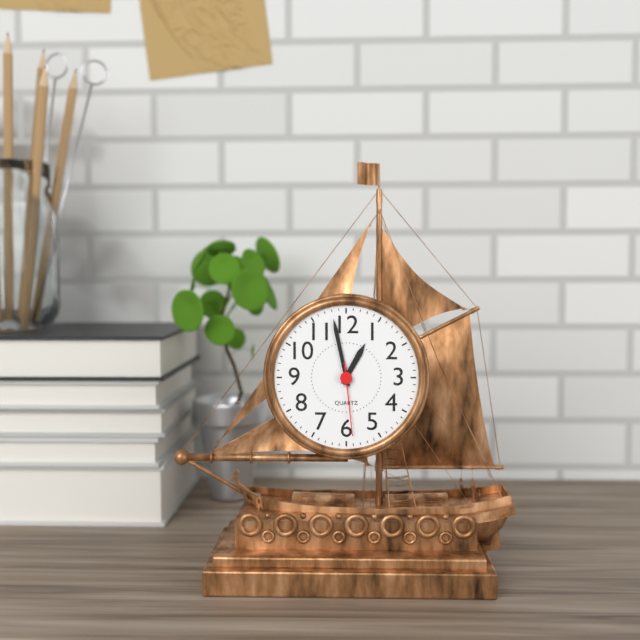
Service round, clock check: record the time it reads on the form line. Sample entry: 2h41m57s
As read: 12h58m29s
